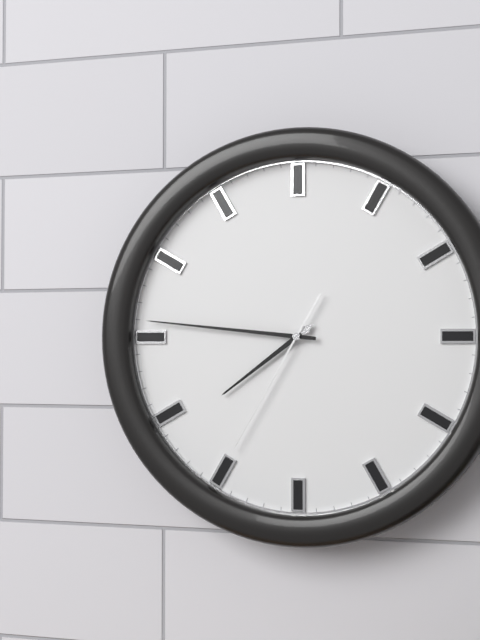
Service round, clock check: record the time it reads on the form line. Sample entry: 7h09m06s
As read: 7h46m35s
